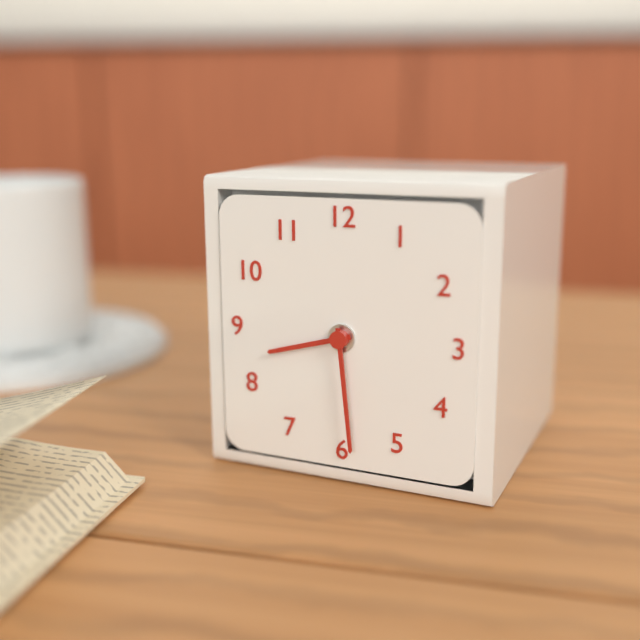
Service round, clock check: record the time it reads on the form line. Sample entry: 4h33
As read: 8h29
